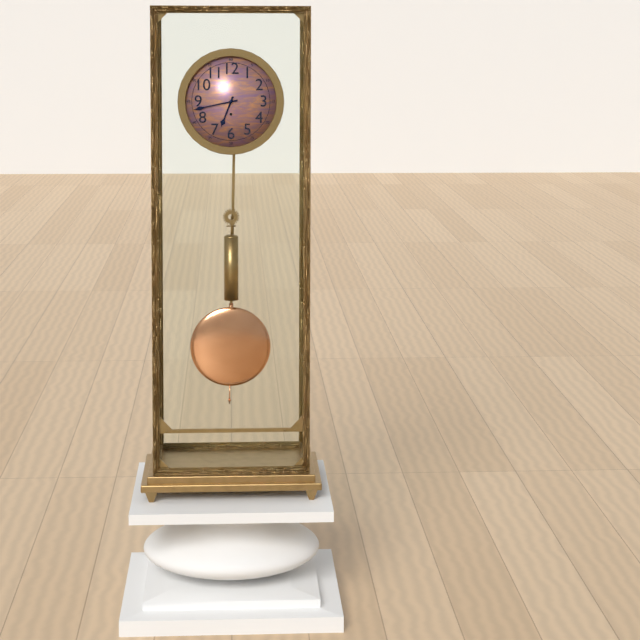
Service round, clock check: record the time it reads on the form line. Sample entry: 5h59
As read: 6h43
